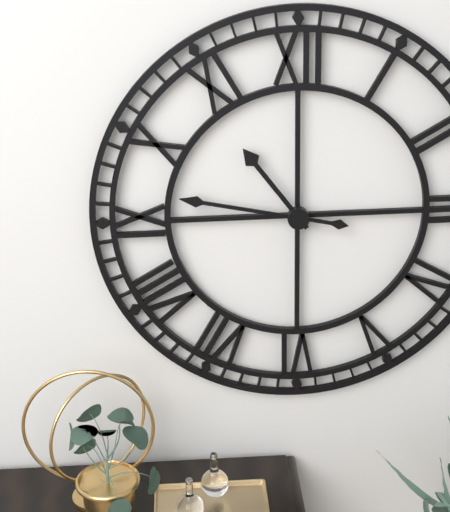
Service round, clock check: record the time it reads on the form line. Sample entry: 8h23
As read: 10h47
